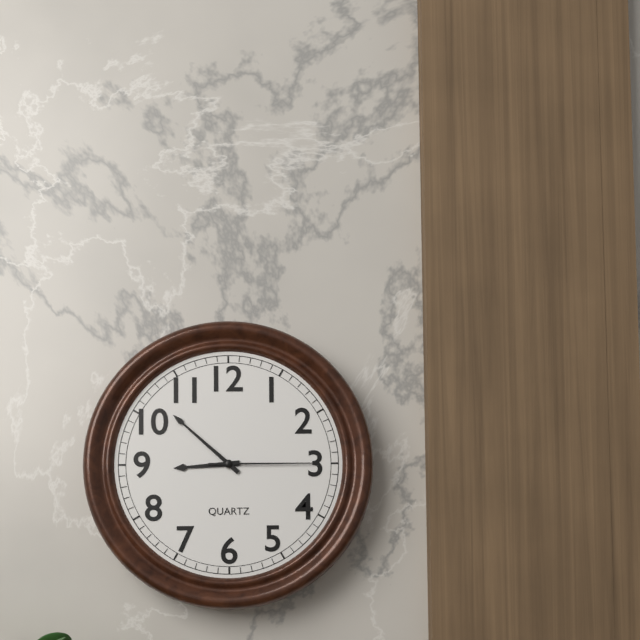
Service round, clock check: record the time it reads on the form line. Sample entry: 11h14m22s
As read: 8h52m15s
